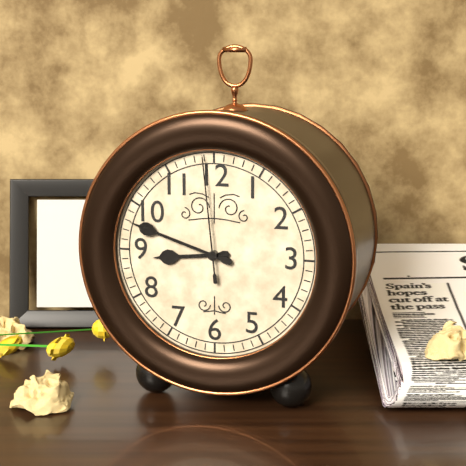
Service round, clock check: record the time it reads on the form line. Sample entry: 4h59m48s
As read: 8h48m59s
